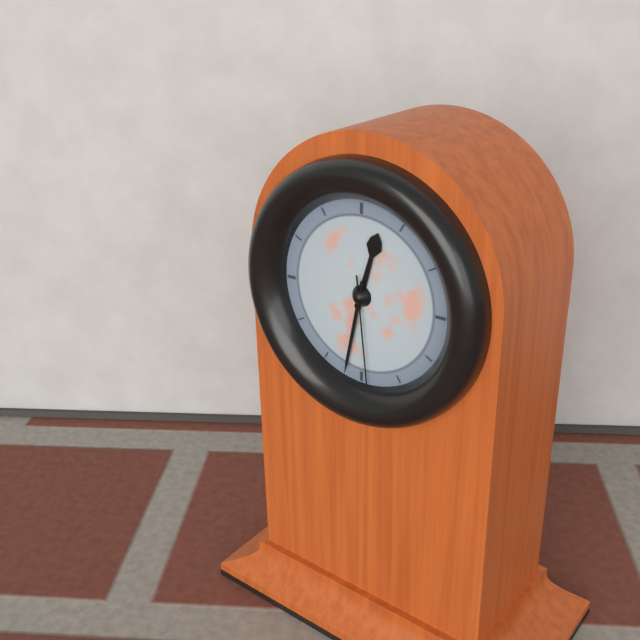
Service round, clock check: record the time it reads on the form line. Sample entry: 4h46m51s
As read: 12h32m29s
